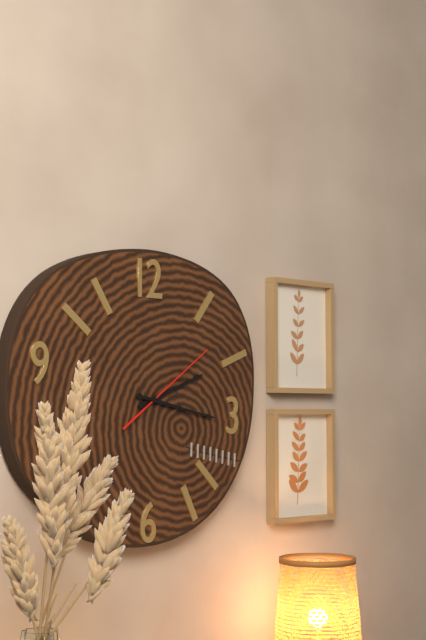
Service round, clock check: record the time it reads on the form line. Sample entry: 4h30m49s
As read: 2h17m09s
